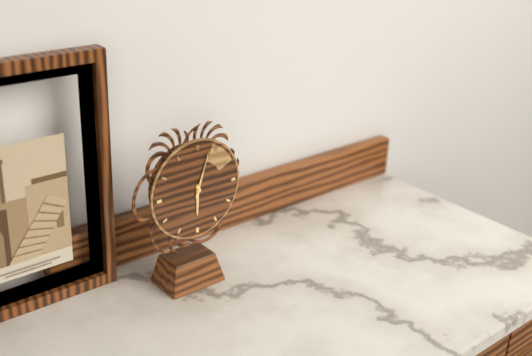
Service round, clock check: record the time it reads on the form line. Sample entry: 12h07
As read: 6h03
